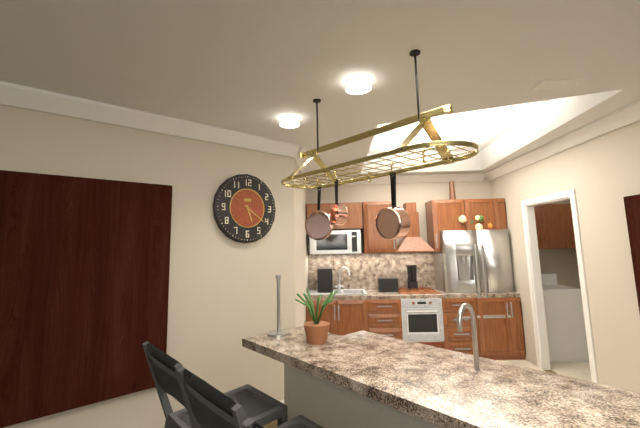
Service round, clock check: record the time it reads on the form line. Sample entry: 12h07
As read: 5h21
